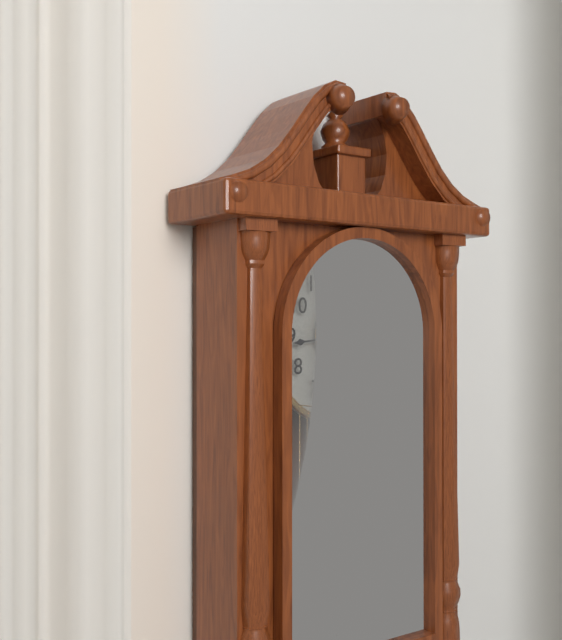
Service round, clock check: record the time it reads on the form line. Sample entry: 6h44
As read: 5h44
